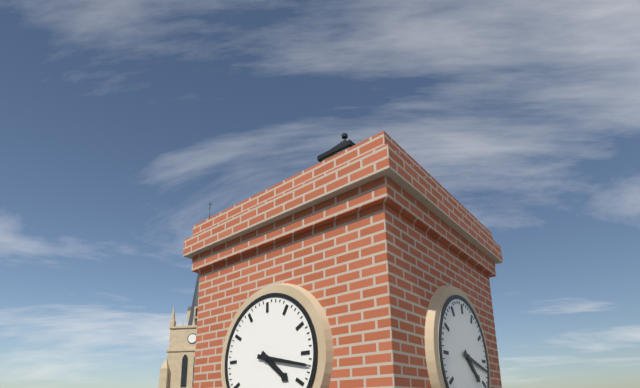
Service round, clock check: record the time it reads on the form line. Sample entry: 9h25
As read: 4h17
